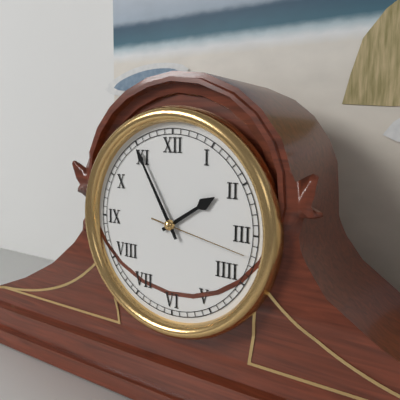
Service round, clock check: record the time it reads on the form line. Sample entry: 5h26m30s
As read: 1h55m17s
